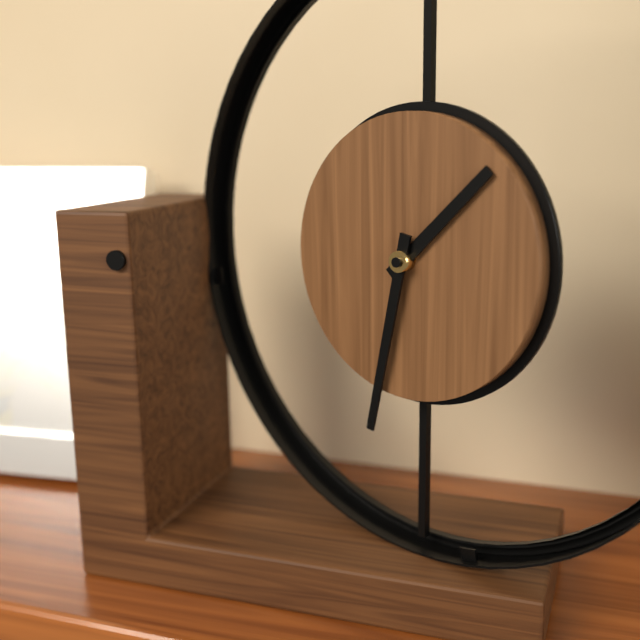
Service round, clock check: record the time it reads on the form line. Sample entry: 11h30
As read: 1h32
